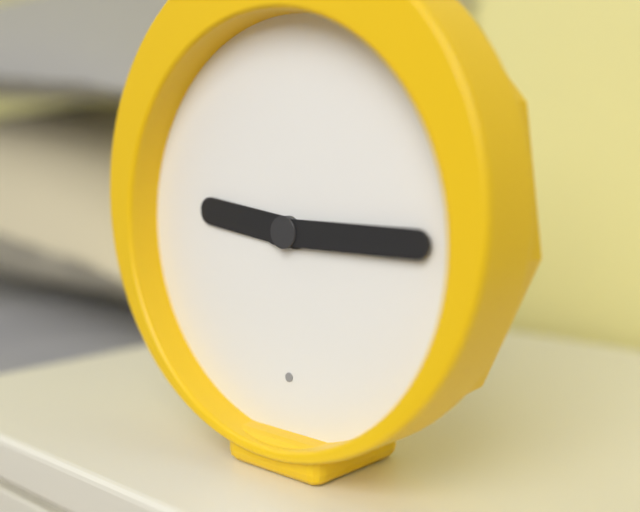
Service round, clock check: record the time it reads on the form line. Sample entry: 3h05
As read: 9h15
